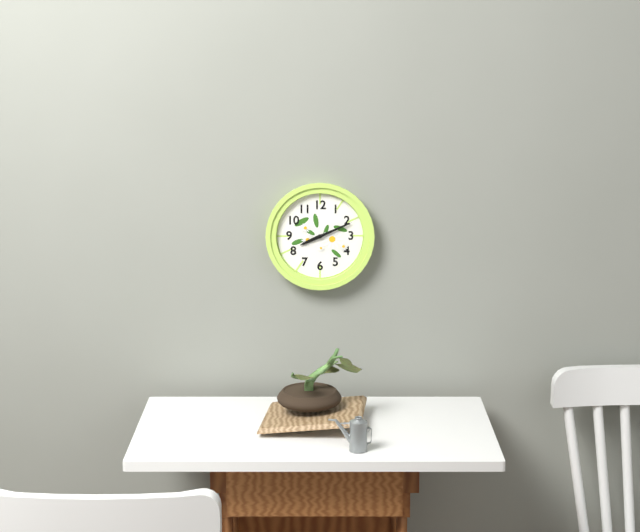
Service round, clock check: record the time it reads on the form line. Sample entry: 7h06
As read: 8h11
